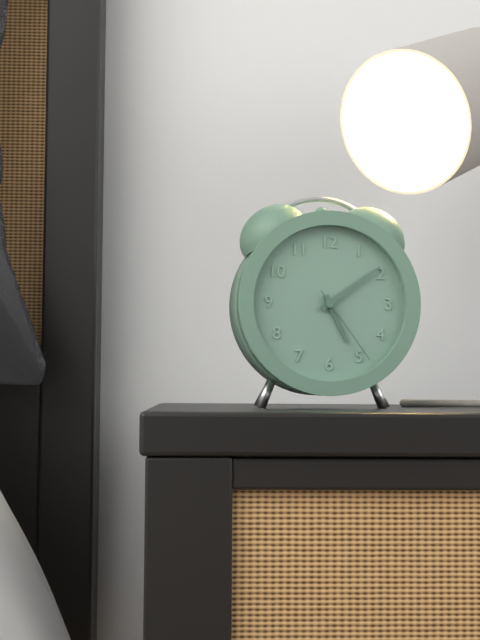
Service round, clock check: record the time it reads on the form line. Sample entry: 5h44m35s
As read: 5h09m24s
